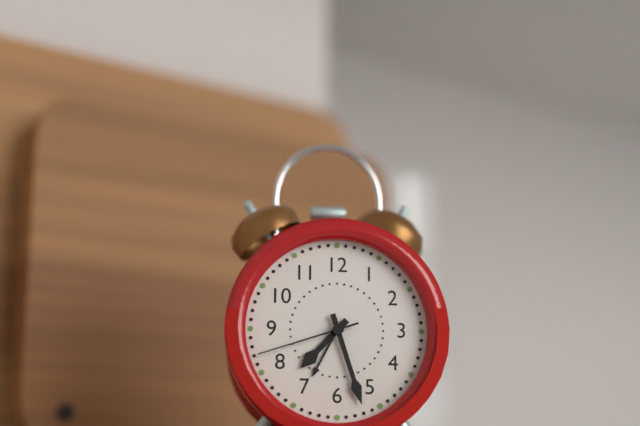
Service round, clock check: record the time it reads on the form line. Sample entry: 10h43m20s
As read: 7h27m42s
